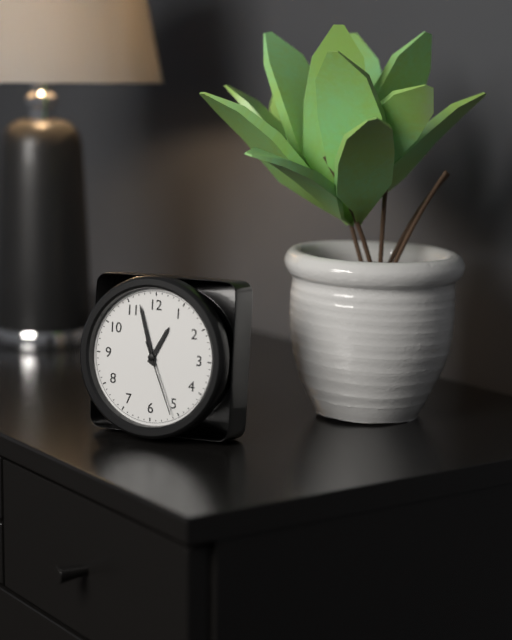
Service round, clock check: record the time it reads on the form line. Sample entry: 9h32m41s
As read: 12h57m26s
